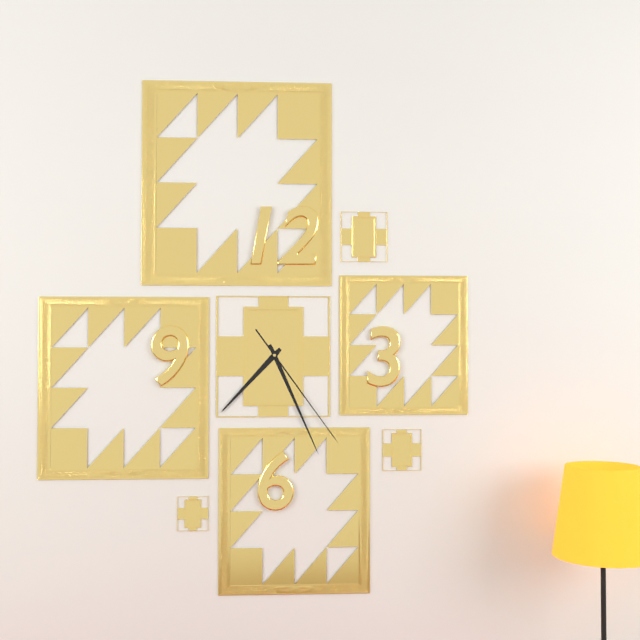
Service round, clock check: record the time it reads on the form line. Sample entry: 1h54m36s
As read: 7h26m24s
